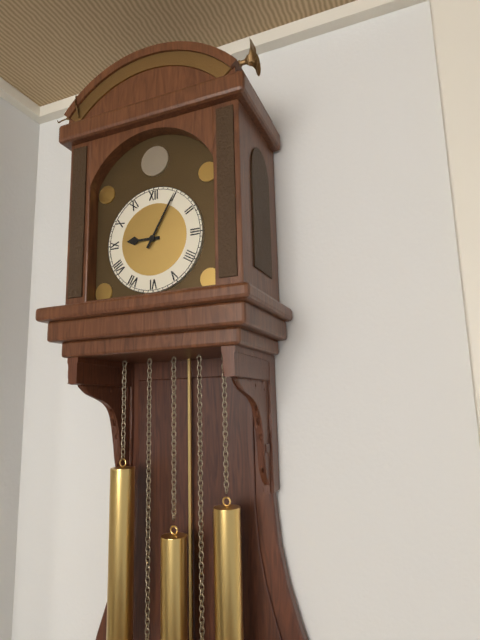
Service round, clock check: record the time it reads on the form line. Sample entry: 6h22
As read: 9h05
